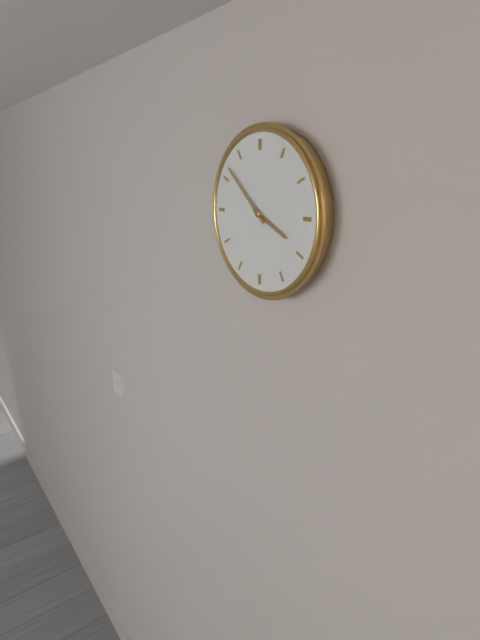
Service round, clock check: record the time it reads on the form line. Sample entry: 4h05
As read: 3h52
